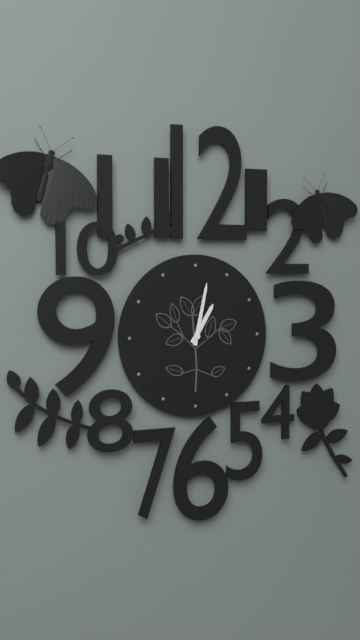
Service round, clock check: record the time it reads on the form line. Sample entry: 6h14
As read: 1h02
